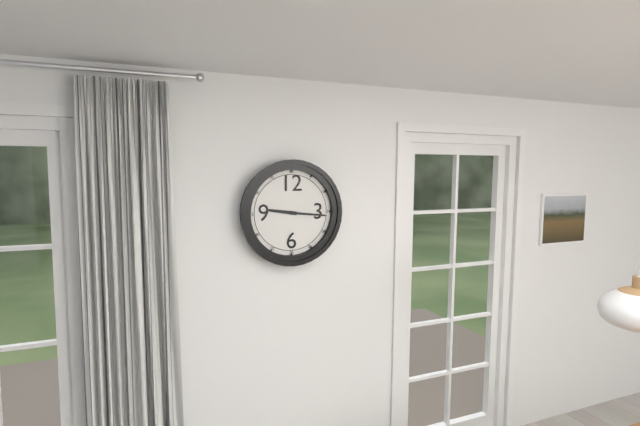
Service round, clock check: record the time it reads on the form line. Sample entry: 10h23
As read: 9h16
